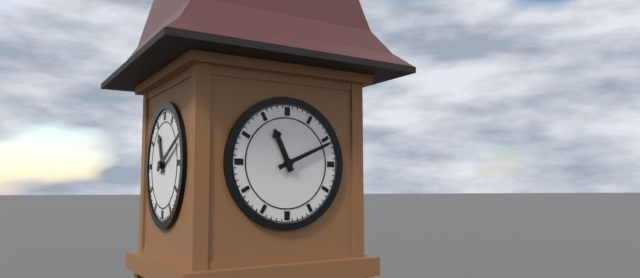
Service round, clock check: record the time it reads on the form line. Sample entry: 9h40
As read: 11h11
